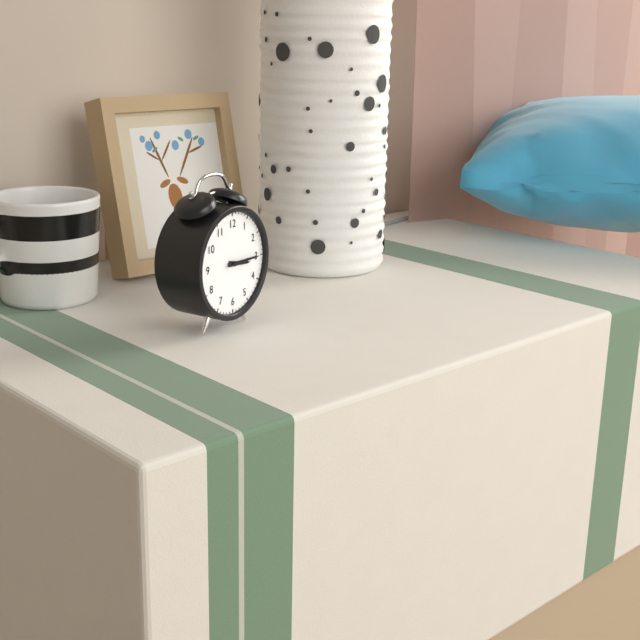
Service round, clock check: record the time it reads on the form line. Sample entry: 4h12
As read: 3h15
